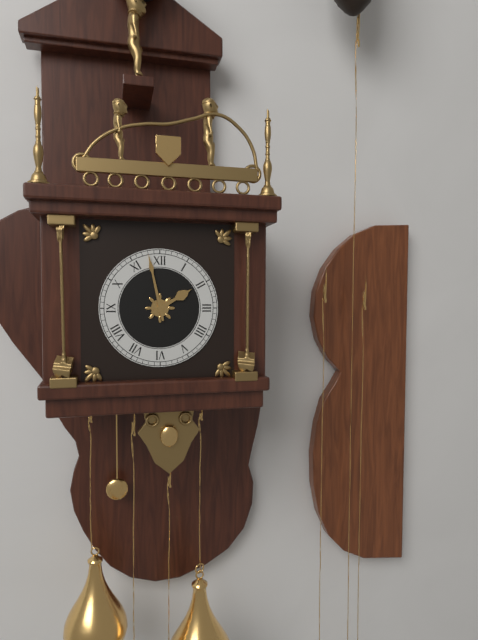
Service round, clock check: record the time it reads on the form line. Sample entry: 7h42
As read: 1h58
